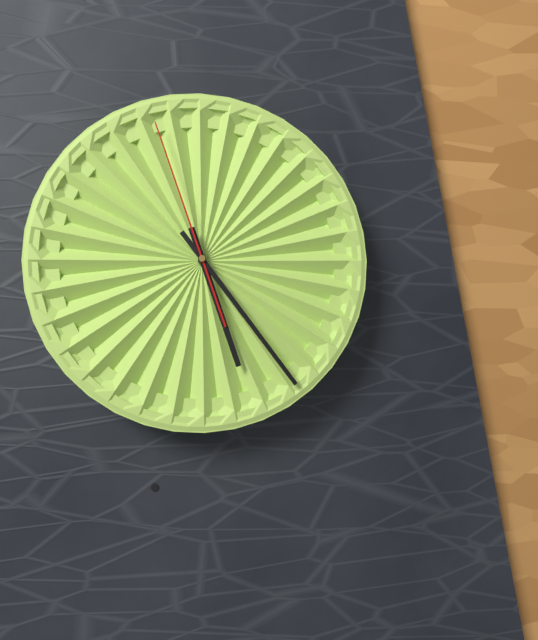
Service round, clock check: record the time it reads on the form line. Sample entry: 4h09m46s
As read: 5h24m57s
